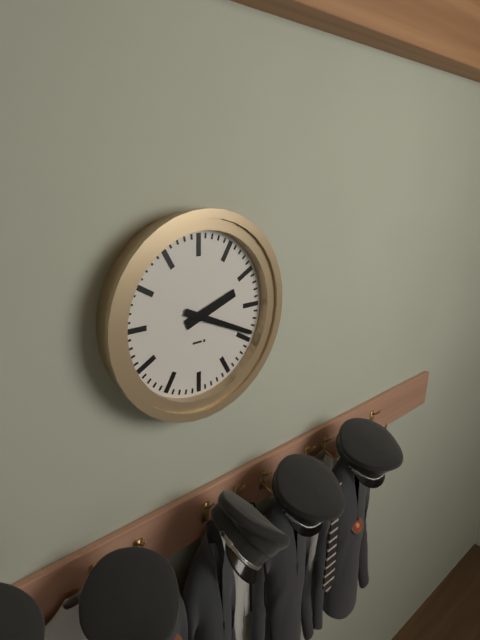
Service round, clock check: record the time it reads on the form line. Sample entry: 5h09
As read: 2h19
